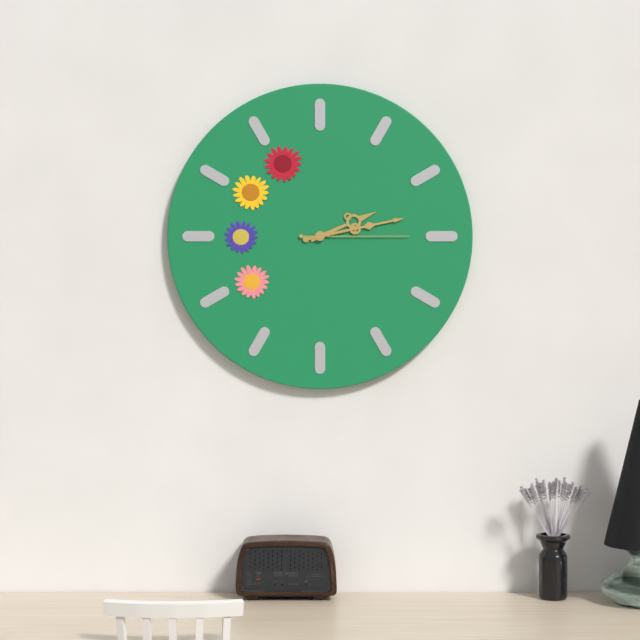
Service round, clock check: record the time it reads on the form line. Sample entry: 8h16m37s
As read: 2h13m15s
